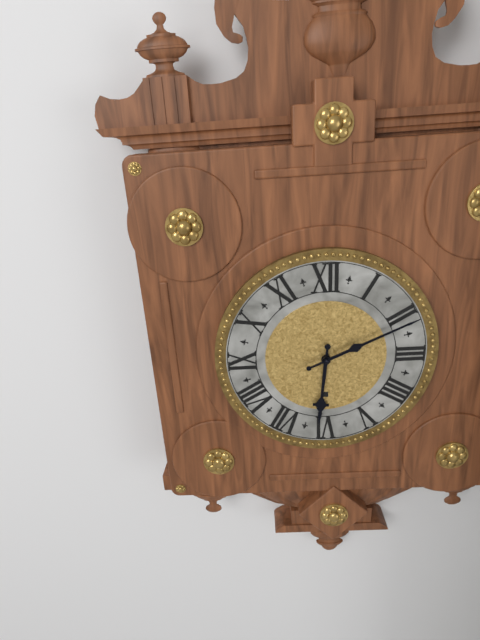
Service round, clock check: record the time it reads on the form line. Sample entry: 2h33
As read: 6h11
